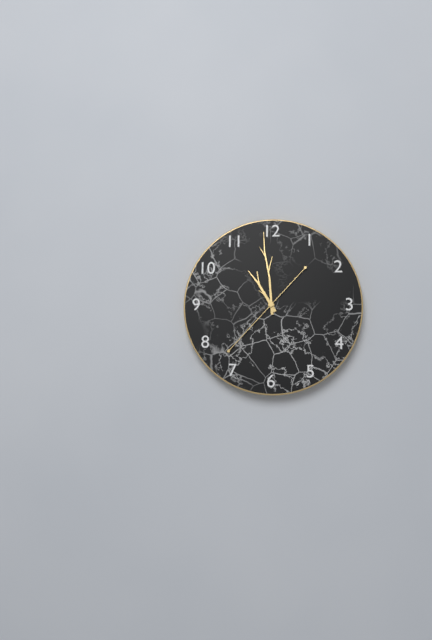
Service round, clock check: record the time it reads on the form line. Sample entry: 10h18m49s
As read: 10h59m37s
